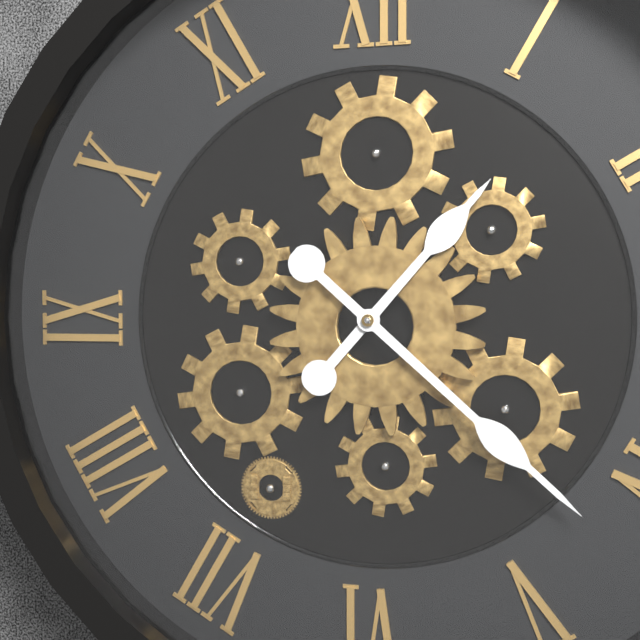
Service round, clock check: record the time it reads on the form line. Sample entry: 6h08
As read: 1h22
